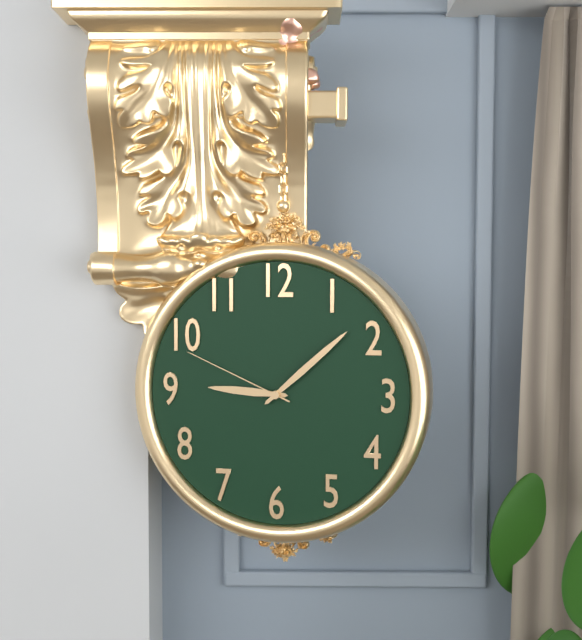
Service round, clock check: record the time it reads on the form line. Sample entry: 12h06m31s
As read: 9h08m49s
